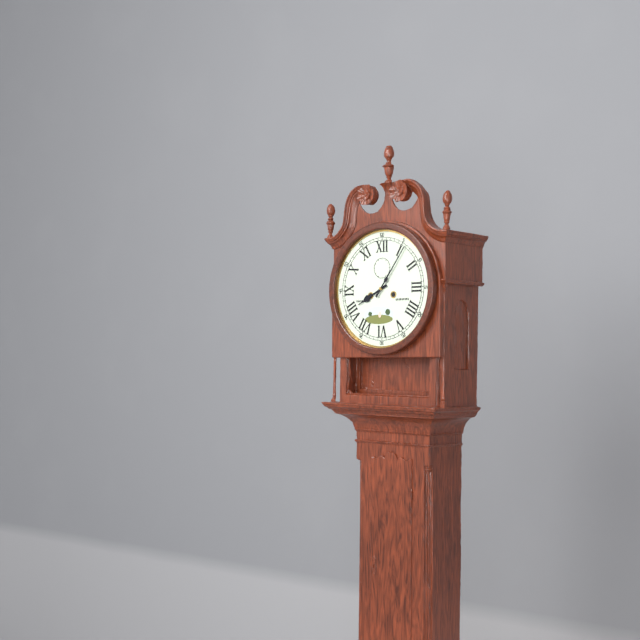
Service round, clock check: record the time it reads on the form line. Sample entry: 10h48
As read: 8h06
